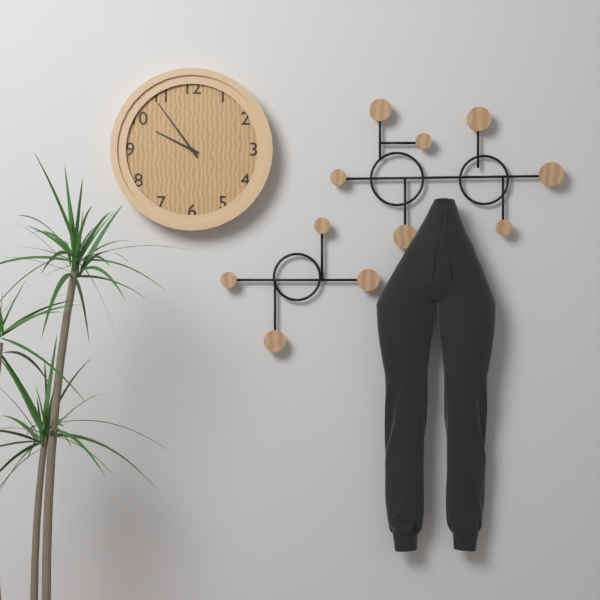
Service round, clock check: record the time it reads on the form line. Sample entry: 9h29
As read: 9h54
